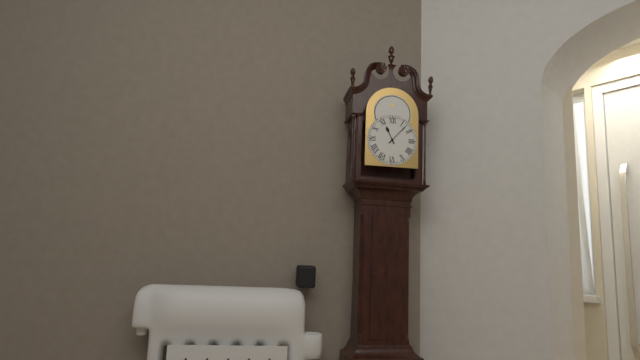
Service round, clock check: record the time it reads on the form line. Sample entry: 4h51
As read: 11h07
